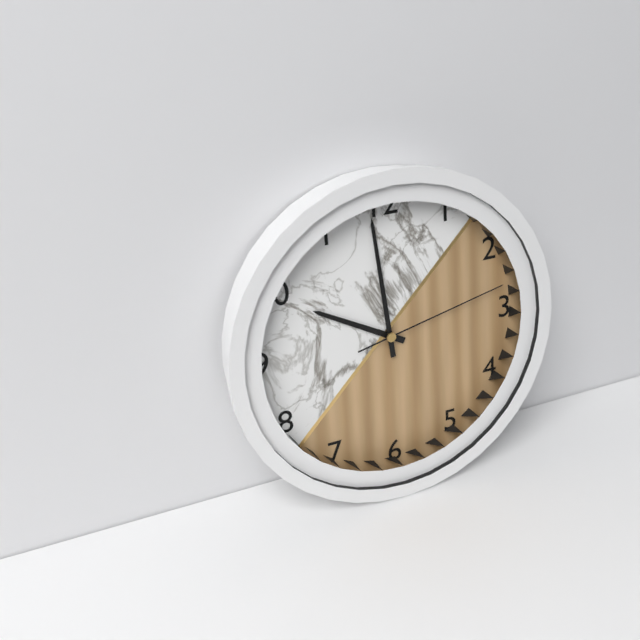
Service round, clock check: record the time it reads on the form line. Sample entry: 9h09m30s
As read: 9h59m13s
